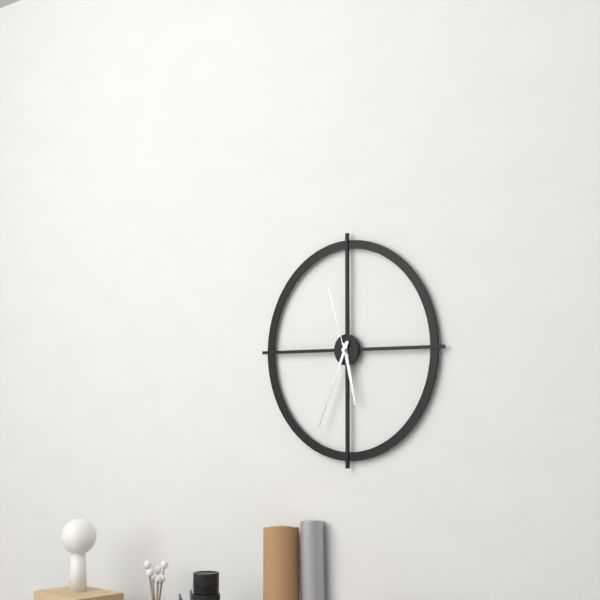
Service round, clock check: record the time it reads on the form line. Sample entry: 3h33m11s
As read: 5h34m57s
